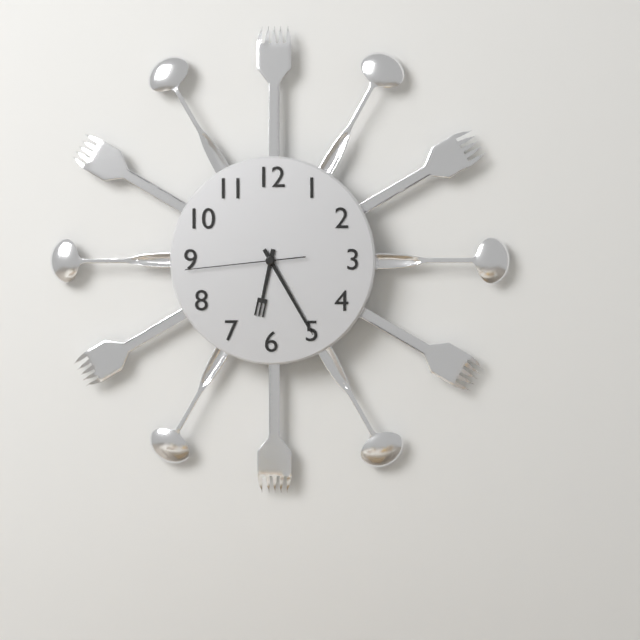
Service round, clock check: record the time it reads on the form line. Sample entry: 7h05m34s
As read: 6h25m44s
